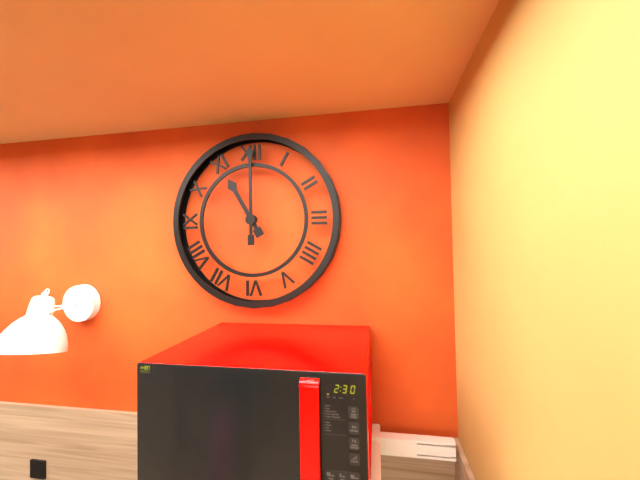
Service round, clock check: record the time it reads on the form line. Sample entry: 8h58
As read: 11h00
